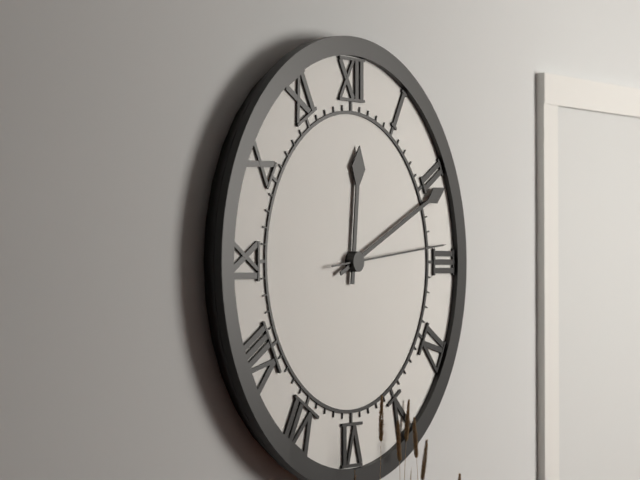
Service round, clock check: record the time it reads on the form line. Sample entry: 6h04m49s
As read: 12h11m14s
